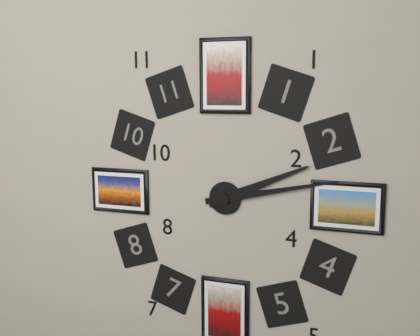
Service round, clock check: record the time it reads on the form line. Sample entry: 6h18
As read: 2h13
